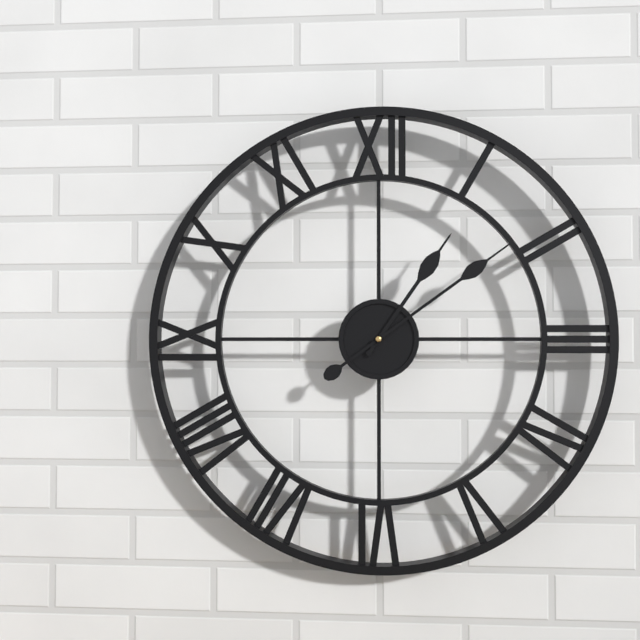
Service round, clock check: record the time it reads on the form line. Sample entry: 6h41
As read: 1h09
